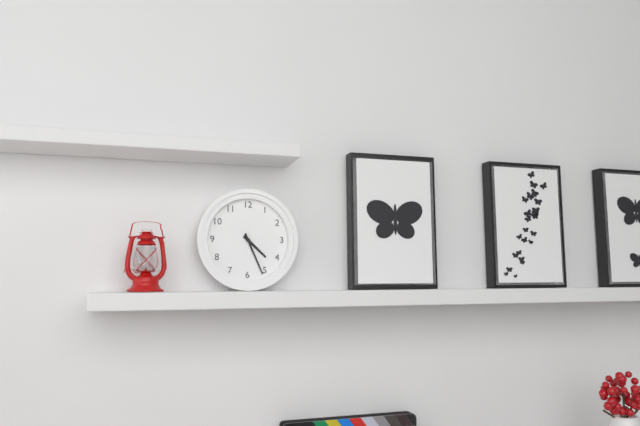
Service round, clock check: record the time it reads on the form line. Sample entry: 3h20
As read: 4h26
